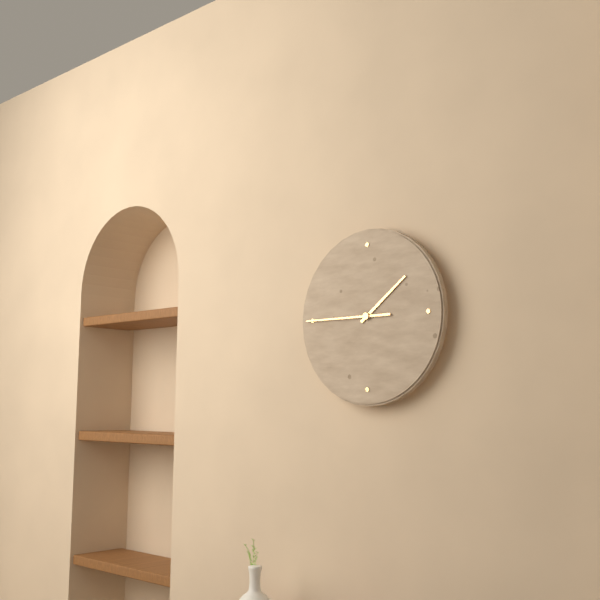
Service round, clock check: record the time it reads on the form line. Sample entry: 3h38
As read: 1h45
